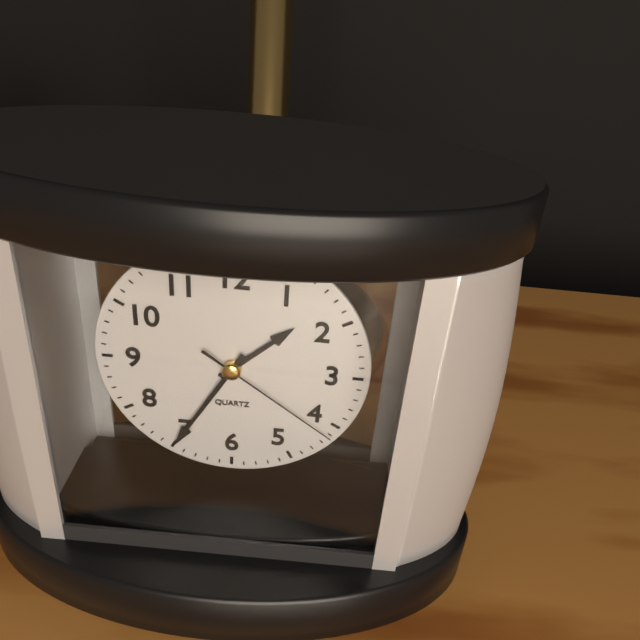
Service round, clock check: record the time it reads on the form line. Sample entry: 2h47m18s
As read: 1h35m21s
